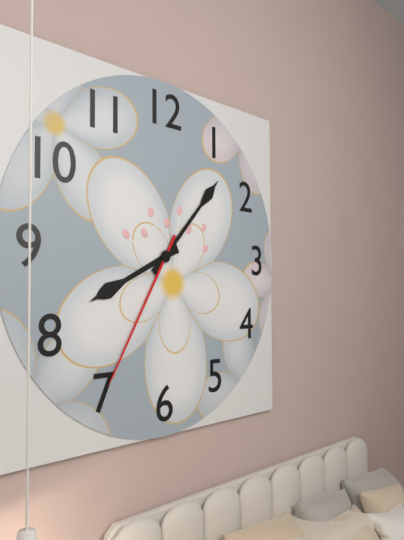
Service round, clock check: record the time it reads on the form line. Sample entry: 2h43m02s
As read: 8h07m35s
